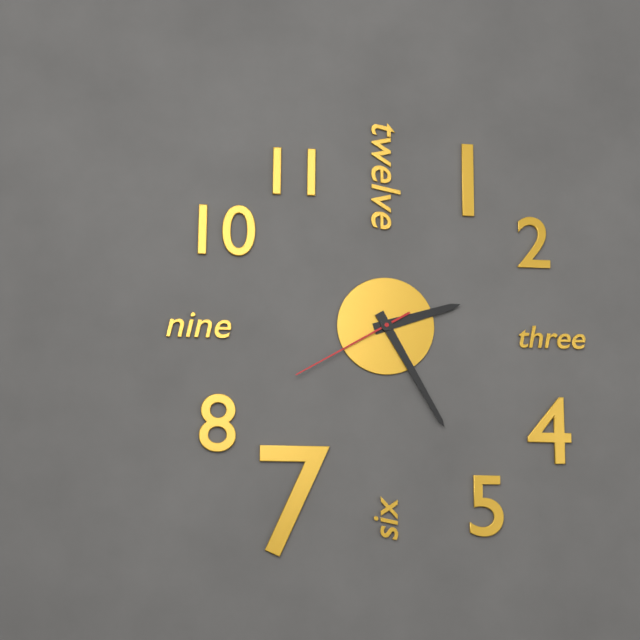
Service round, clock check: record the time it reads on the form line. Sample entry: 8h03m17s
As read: 2h25m40s
